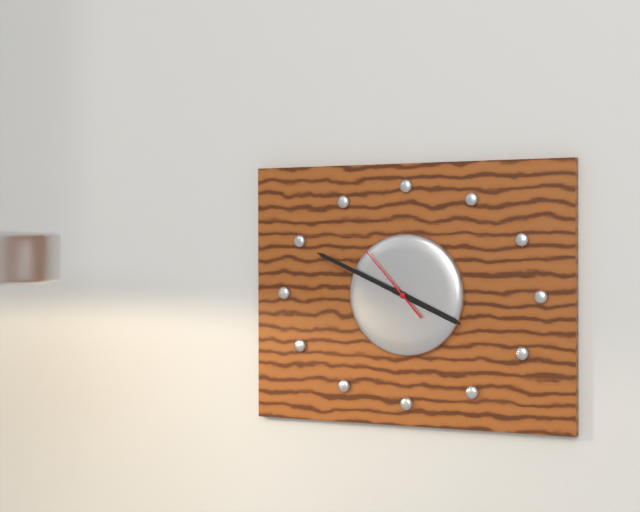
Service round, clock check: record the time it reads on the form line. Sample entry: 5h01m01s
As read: 3h49m53s
